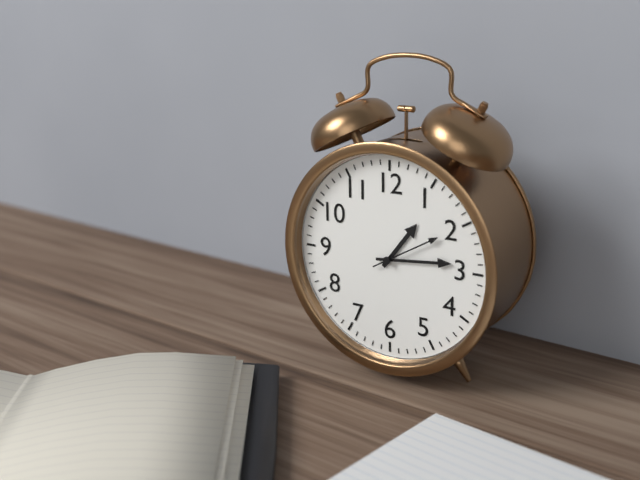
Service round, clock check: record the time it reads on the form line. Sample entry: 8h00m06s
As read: 1h14m10s
